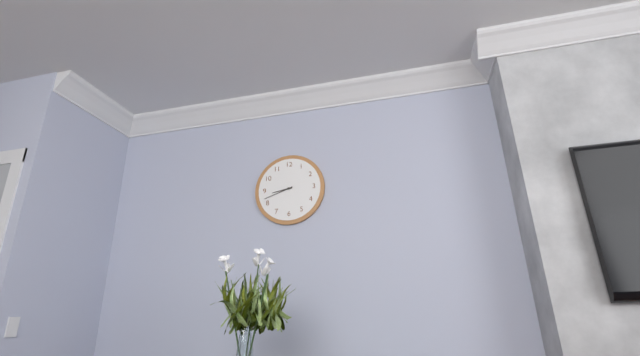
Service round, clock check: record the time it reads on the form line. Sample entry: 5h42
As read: 8h42
